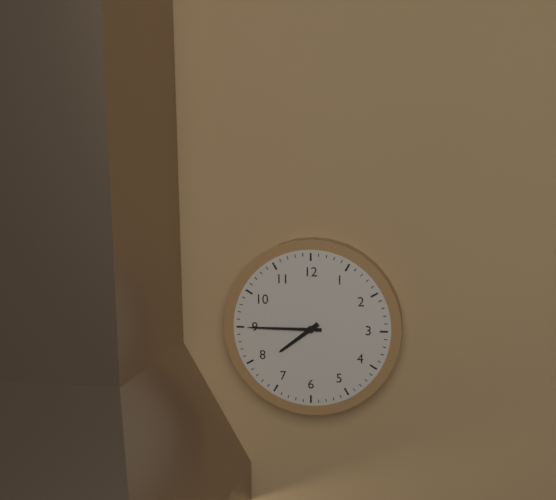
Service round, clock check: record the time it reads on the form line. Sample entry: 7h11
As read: 7h45
